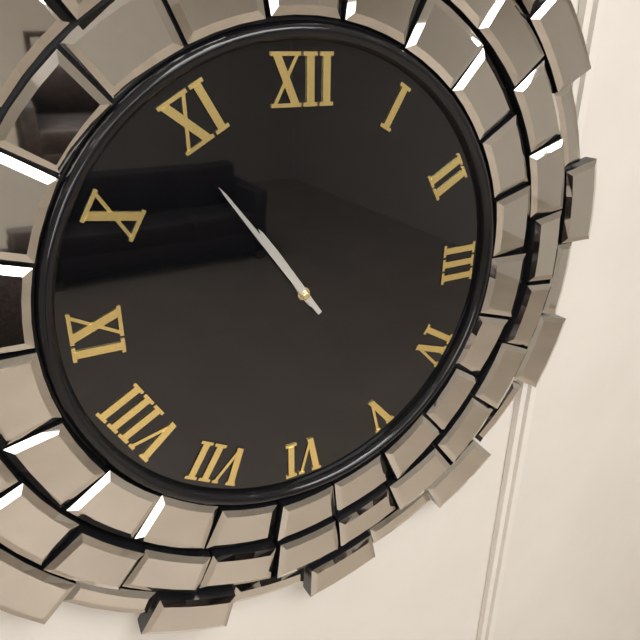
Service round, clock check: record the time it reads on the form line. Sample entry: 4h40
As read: 10h54
